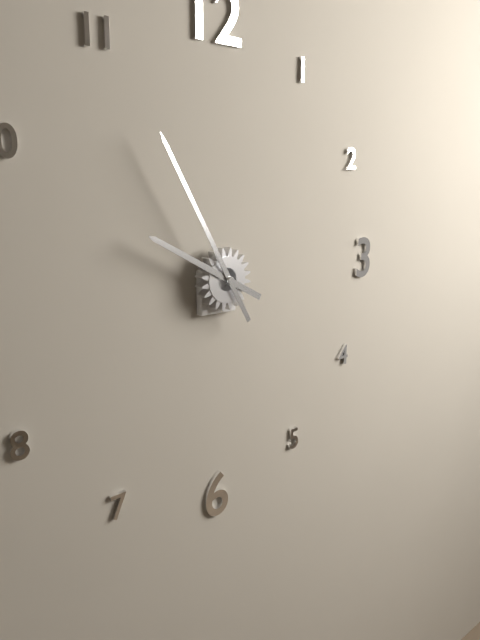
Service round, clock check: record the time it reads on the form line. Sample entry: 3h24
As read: 9h55
